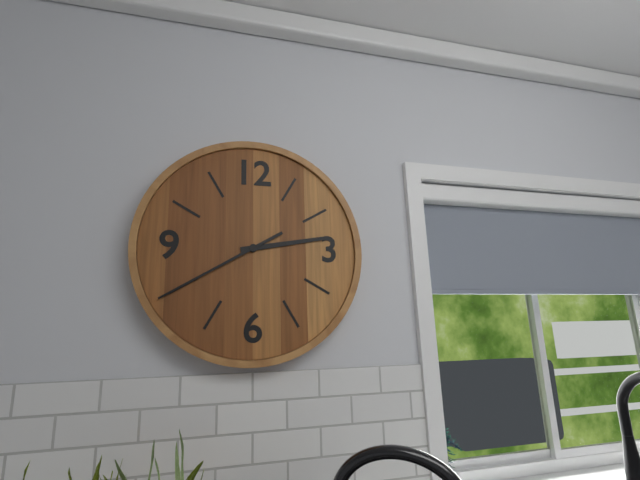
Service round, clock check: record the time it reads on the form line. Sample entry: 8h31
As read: 2h40
